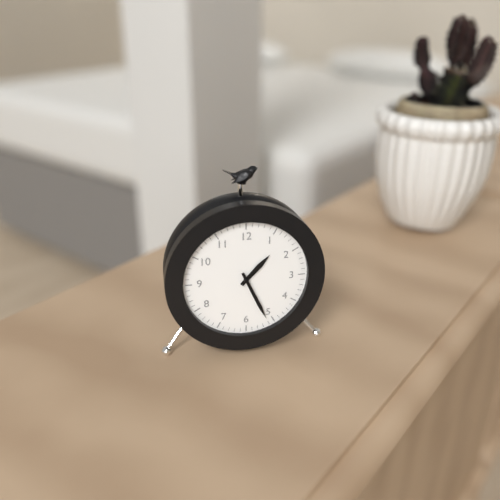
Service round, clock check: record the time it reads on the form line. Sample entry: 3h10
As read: 1h26
